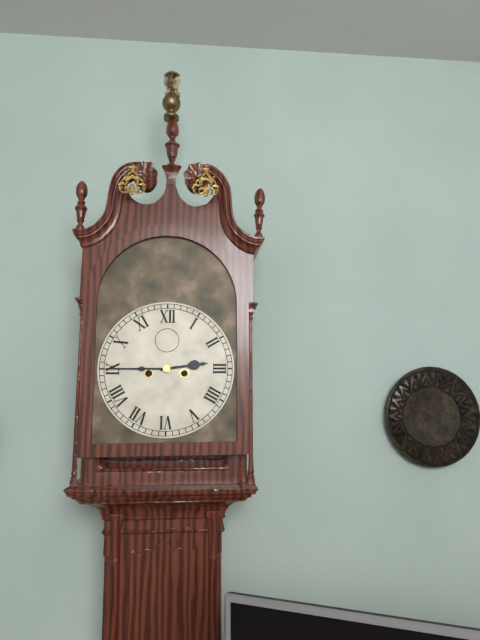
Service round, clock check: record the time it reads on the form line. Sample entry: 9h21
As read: 2h45
